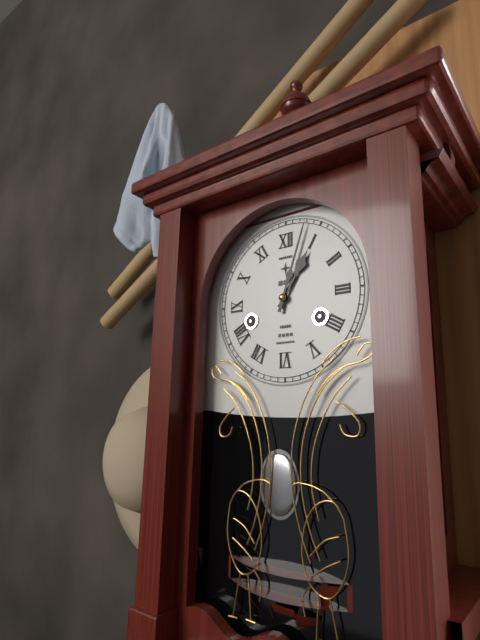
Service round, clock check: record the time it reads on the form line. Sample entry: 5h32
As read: 1h03
